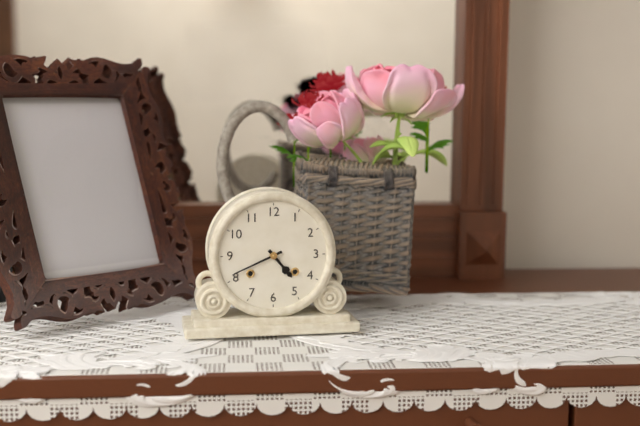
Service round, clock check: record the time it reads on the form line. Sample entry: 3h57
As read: 4h41
